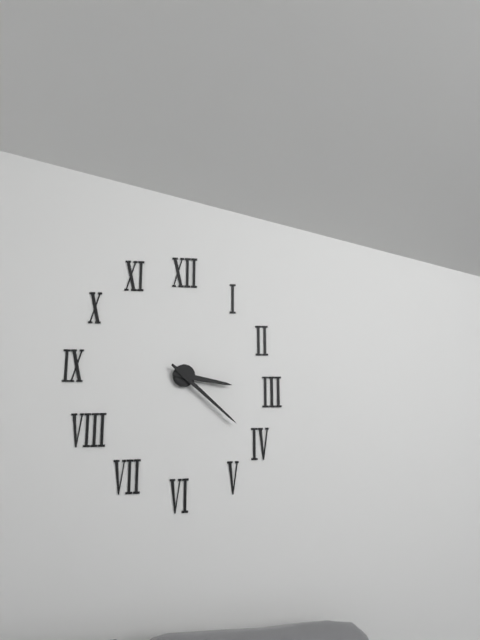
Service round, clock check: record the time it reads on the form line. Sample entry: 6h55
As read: 3h22
